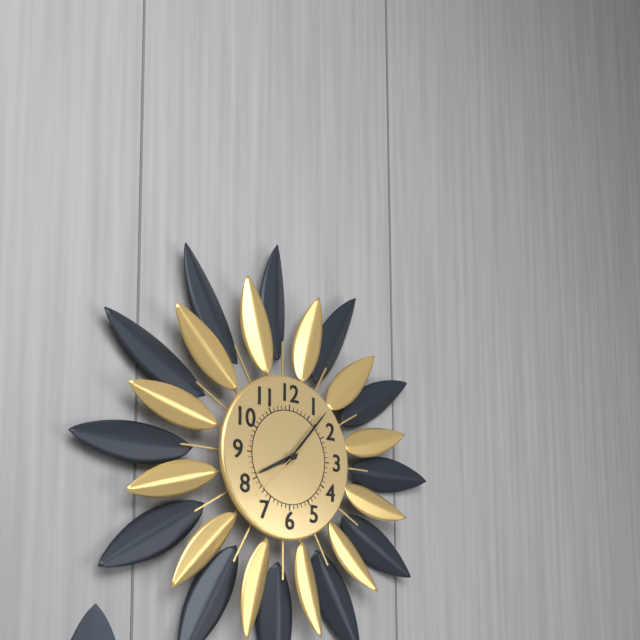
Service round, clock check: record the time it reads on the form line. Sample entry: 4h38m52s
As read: 8h07m38s
